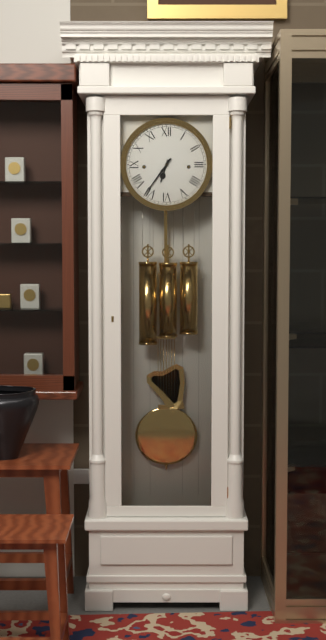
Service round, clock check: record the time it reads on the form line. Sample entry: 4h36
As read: 6h36
